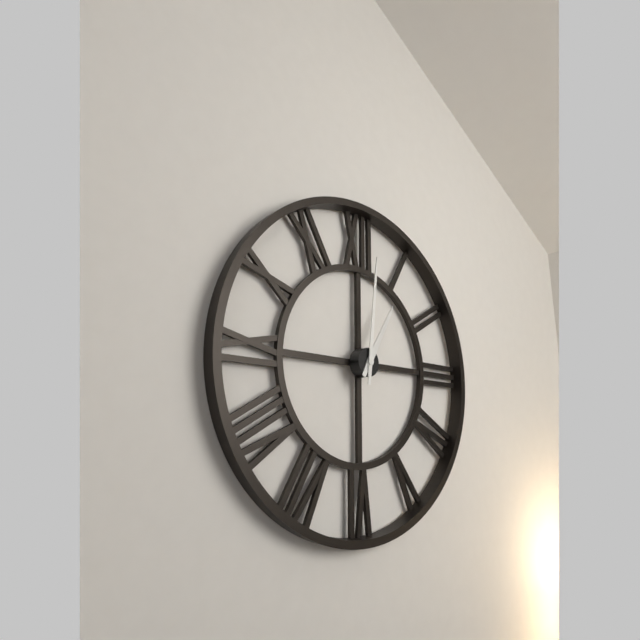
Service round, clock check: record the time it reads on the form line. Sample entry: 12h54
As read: 1h01
